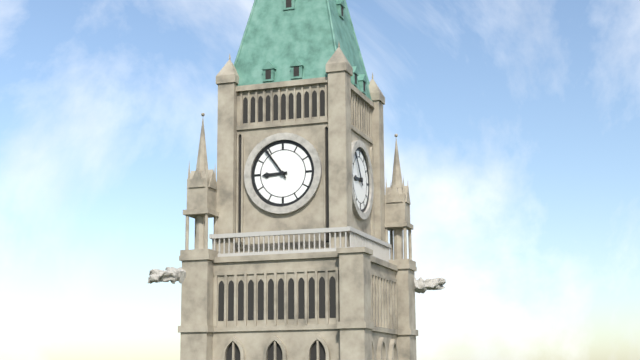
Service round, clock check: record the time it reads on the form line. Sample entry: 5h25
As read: 8h54
